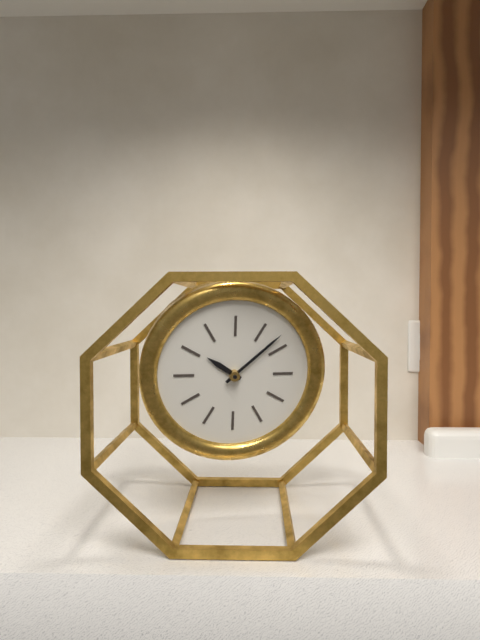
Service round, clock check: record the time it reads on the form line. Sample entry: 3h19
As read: 10h08
